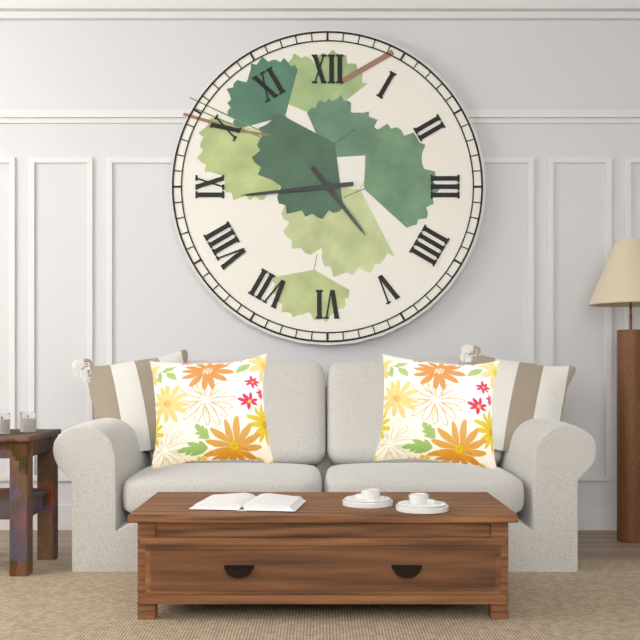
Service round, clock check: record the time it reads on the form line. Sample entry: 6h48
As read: 4h44
